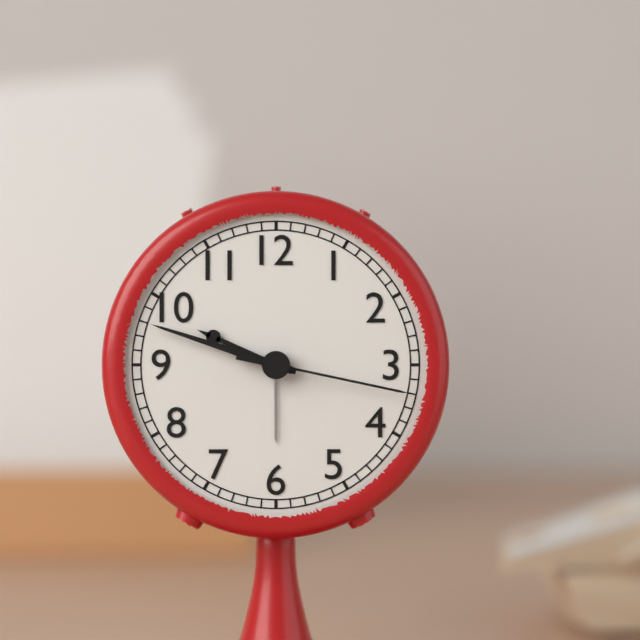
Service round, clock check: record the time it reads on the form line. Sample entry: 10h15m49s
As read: 9h48m17s
